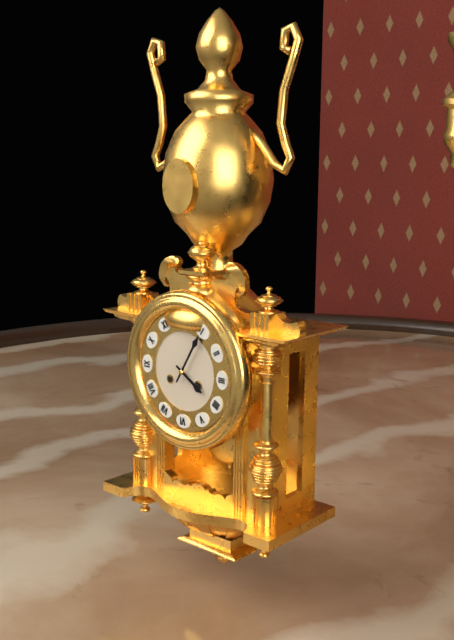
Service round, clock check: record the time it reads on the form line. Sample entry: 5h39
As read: 4h05
